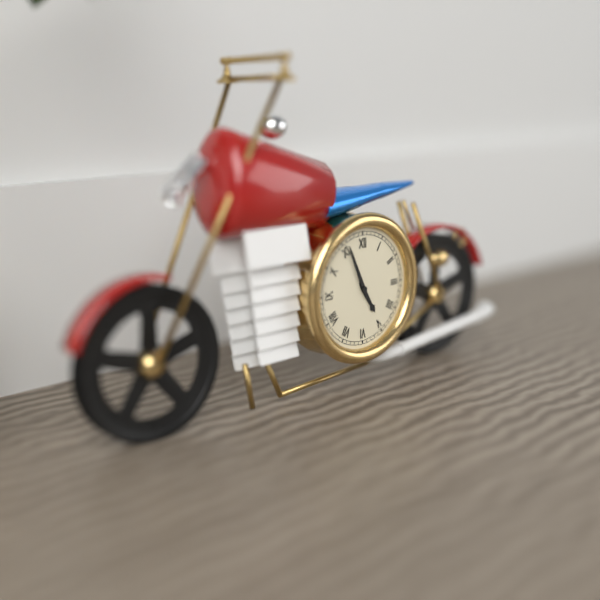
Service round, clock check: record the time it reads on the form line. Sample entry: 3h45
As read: 4h56
